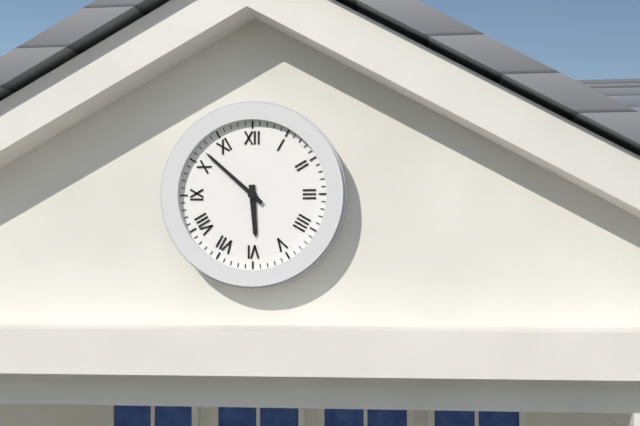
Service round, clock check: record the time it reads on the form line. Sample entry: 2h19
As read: 5h52
